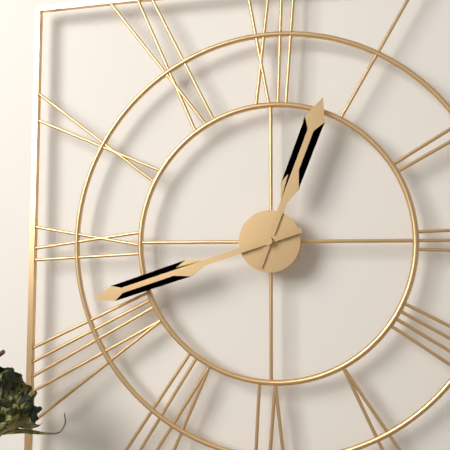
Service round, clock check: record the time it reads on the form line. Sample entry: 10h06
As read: 12h42
